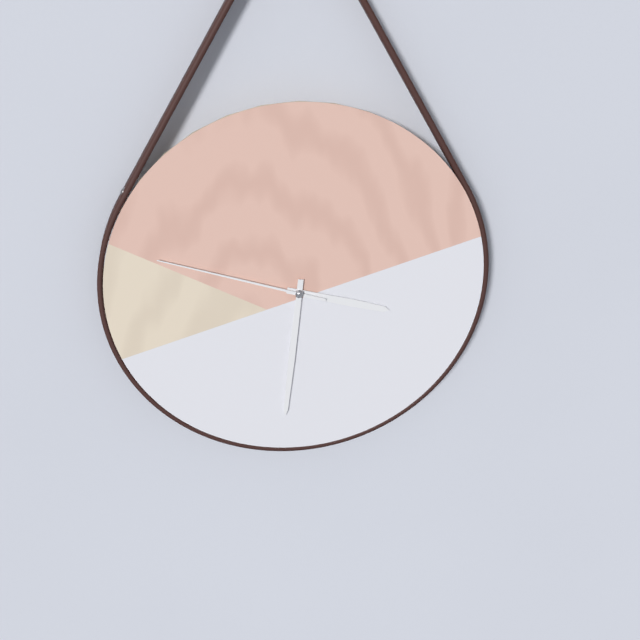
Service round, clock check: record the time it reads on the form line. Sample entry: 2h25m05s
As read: 3h31m48s
